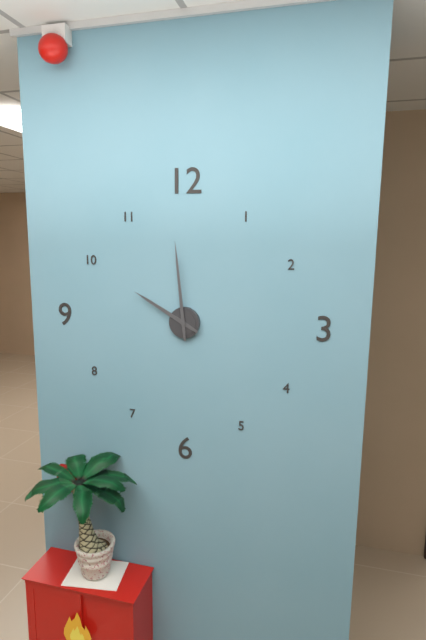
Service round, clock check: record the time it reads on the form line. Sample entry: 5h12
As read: 9h59
